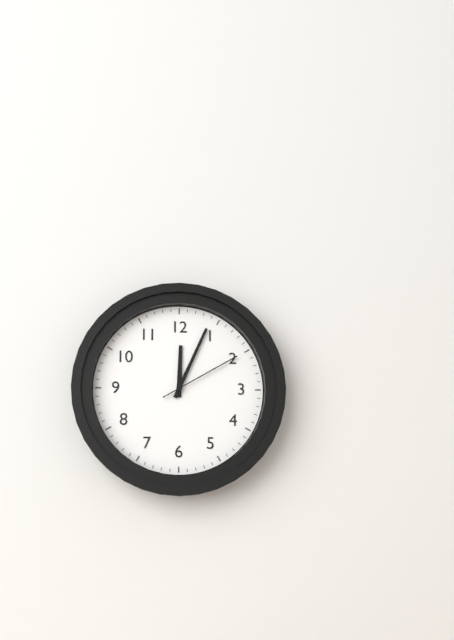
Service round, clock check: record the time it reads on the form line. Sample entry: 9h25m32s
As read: 12h04m10s
